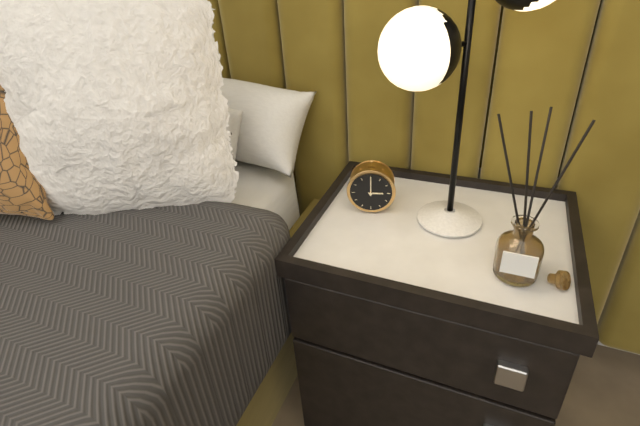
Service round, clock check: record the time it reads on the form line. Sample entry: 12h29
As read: 3h00
